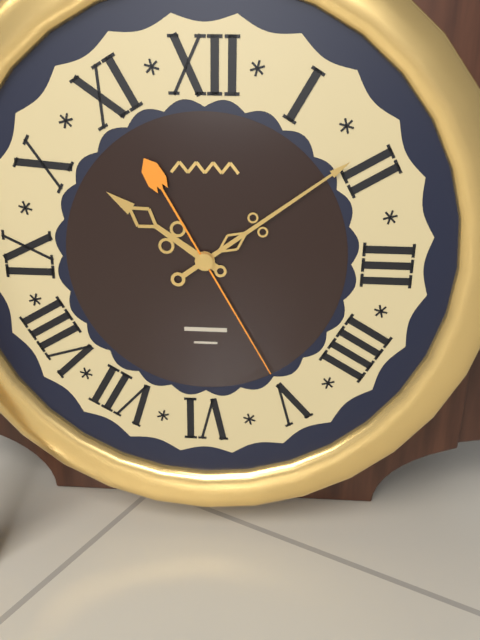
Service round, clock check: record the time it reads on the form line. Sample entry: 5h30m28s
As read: 10h09m25s
